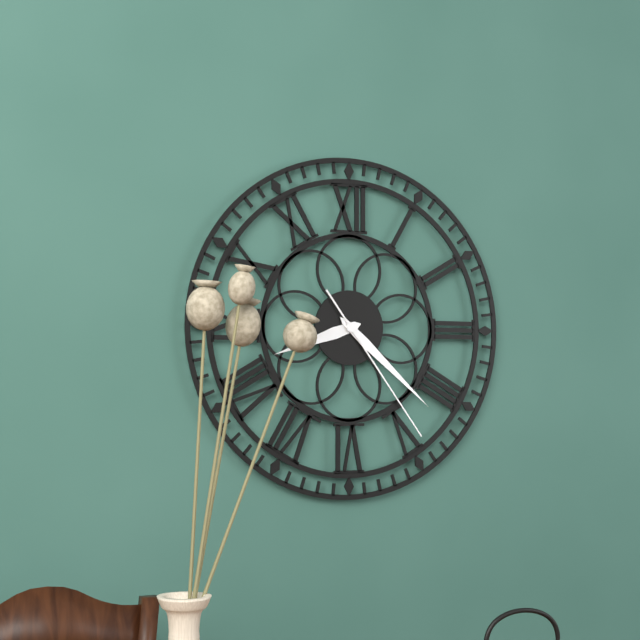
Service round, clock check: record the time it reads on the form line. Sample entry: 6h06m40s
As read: 8h22m24s
